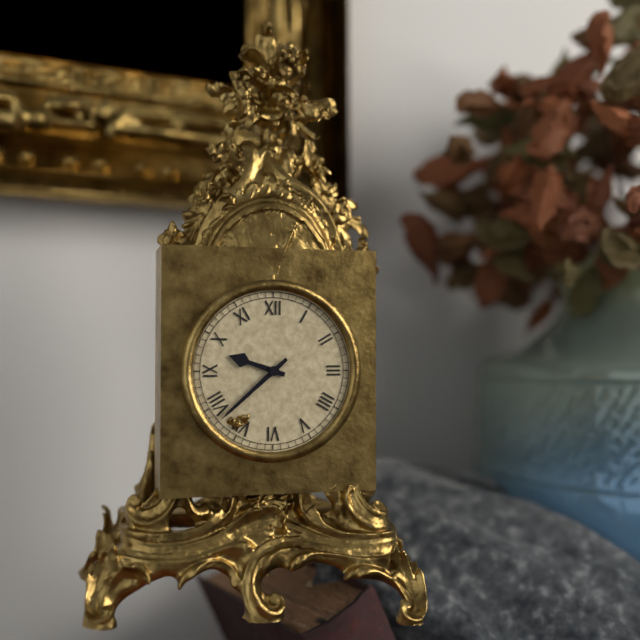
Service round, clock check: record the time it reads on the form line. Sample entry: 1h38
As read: 9h38
